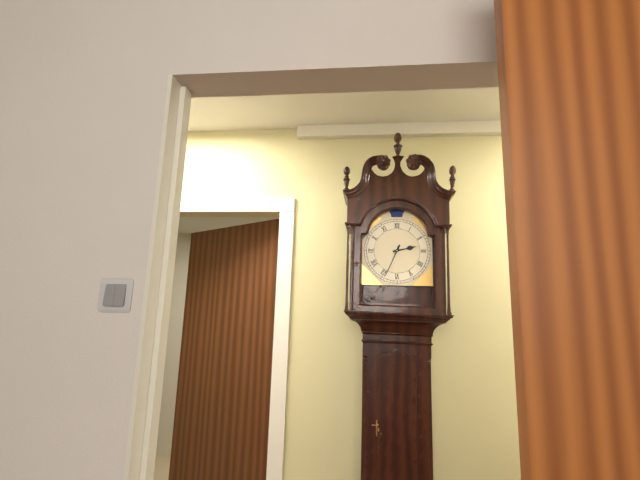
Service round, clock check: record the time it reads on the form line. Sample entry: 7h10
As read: 2h34
